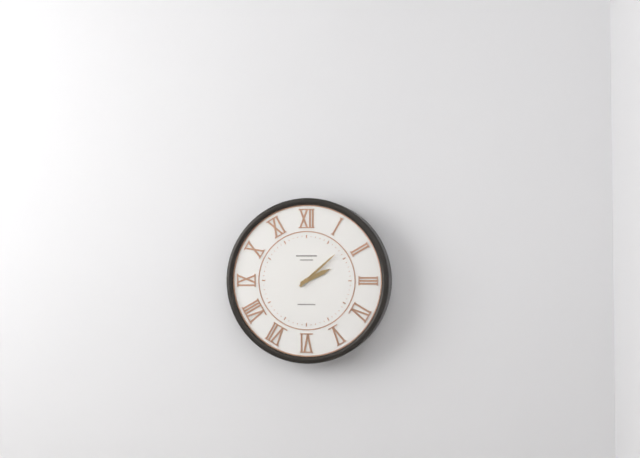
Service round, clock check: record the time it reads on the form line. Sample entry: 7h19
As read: 2h08
